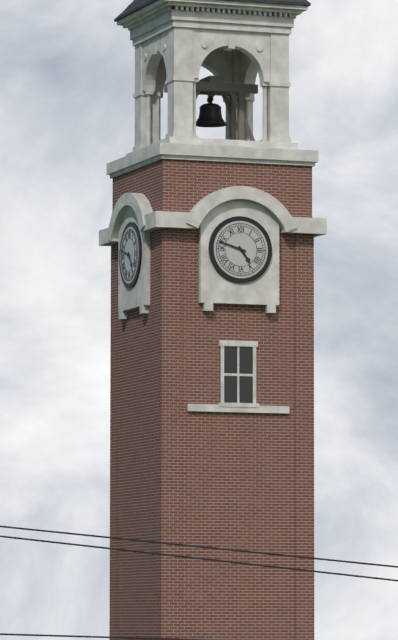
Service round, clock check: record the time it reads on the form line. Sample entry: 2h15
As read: 4h48
